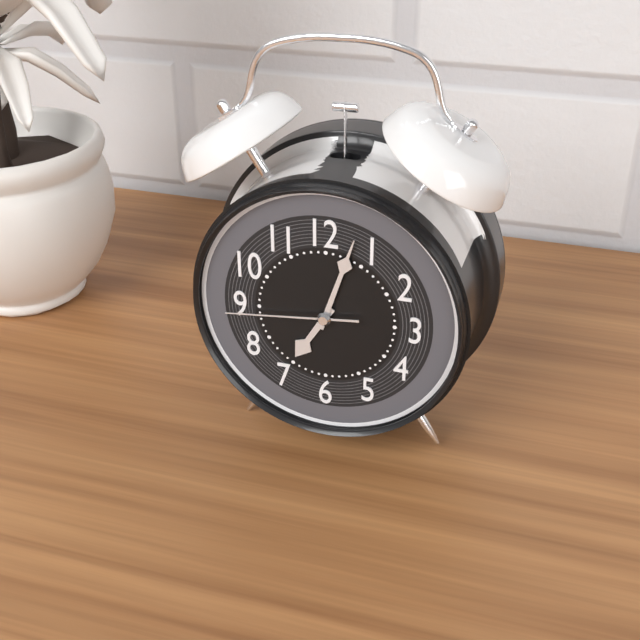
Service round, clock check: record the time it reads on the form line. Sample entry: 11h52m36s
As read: 7h03m44s
